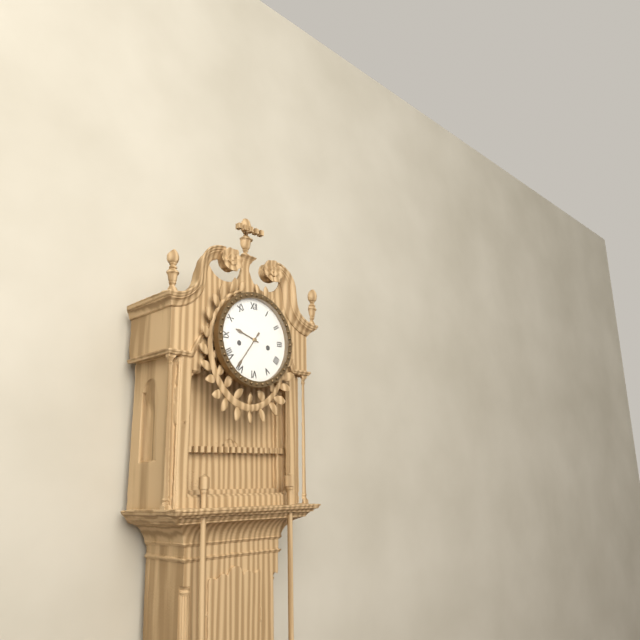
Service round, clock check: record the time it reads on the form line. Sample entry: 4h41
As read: 9h36
